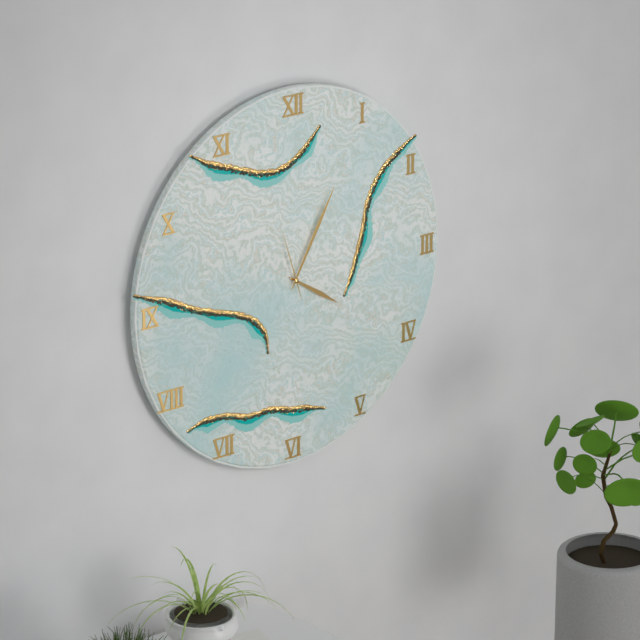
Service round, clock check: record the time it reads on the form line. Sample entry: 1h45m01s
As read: 4h05m57s
